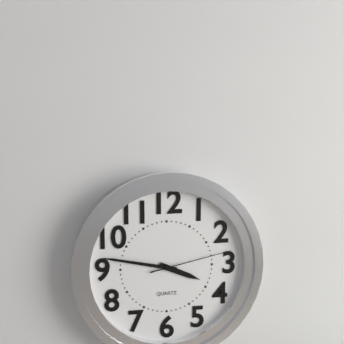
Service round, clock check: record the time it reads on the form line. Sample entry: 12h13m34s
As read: 3h47m13s
